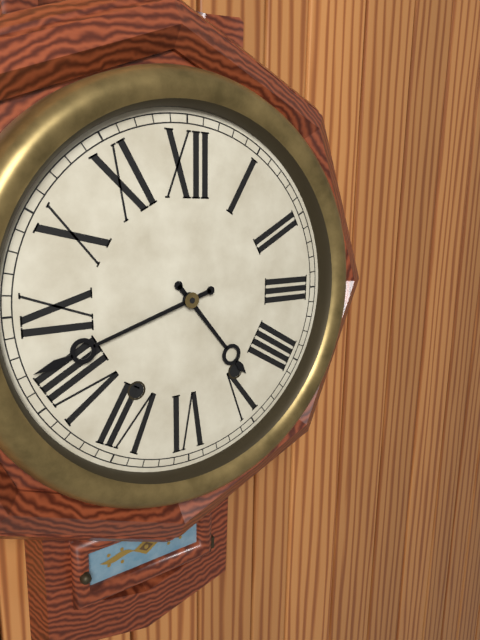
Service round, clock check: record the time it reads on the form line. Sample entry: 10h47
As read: 4h42
